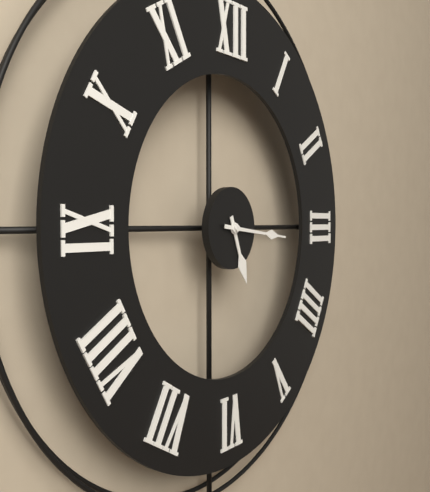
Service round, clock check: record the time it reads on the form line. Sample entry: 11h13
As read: 5h16
